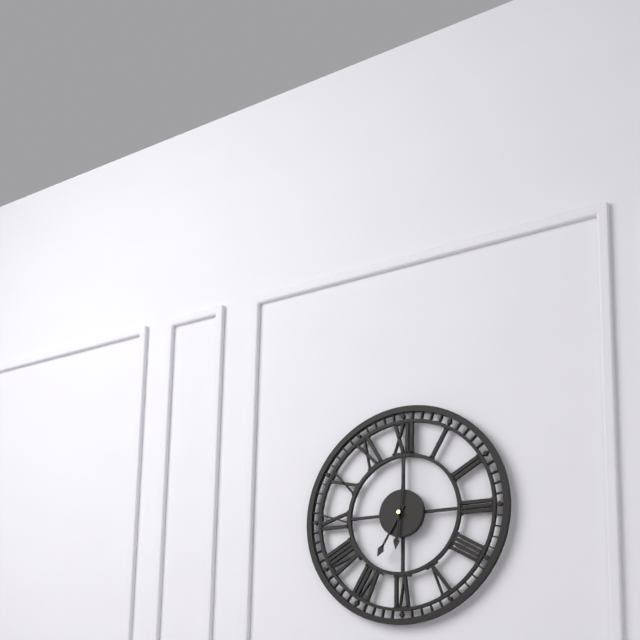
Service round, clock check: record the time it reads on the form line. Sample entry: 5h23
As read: 7h01
